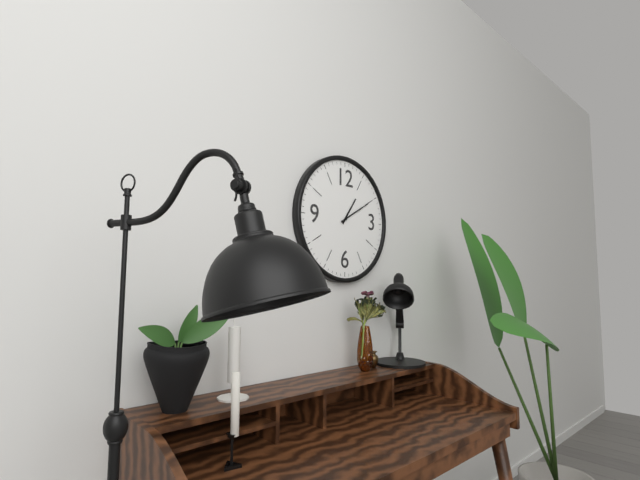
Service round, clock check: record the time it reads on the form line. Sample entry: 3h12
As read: 1h10
